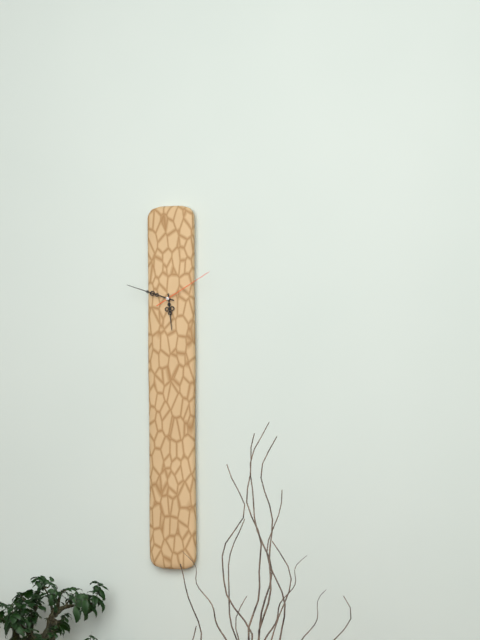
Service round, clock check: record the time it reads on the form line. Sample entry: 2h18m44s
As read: 5h48m10s
